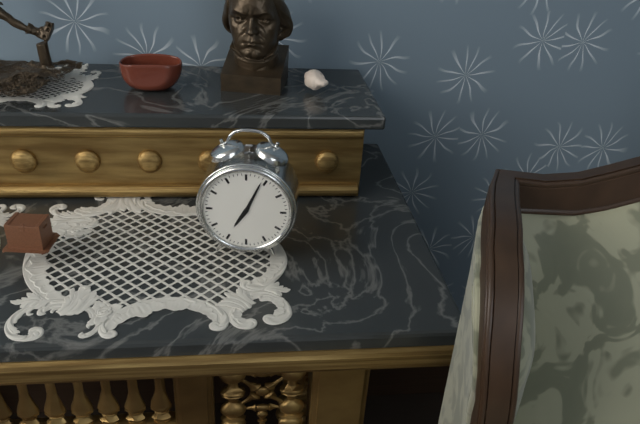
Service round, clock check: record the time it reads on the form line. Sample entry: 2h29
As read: 7h04
